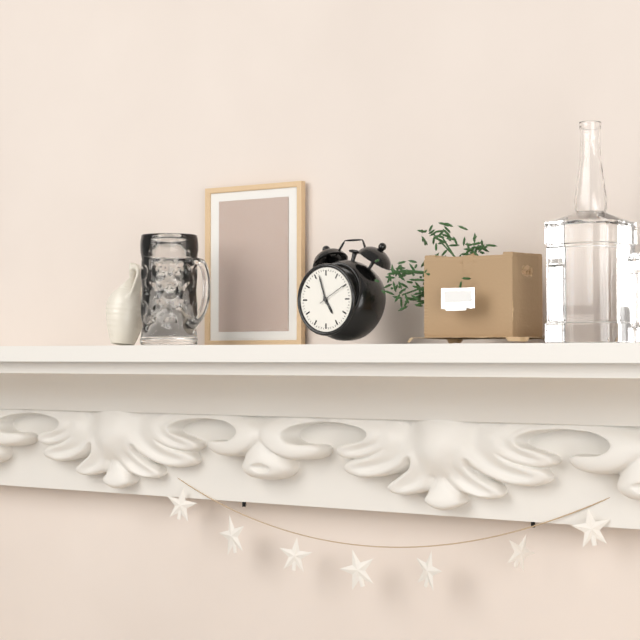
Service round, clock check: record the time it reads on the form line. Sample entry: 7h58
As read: 4h57
